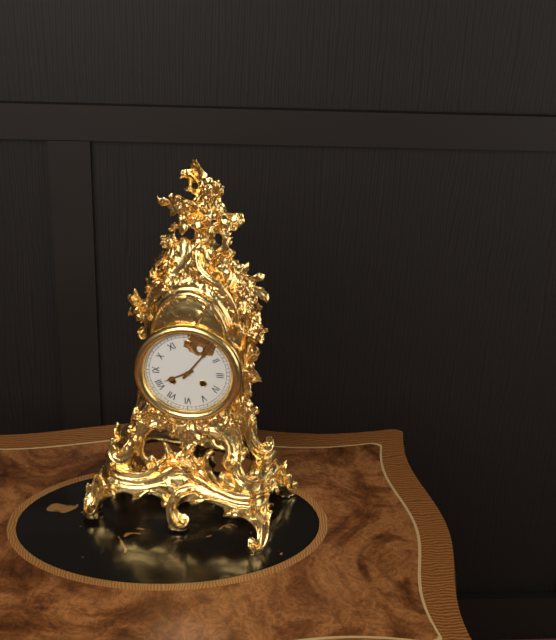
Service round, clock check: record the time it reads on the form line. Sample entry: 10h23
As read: 8h06
